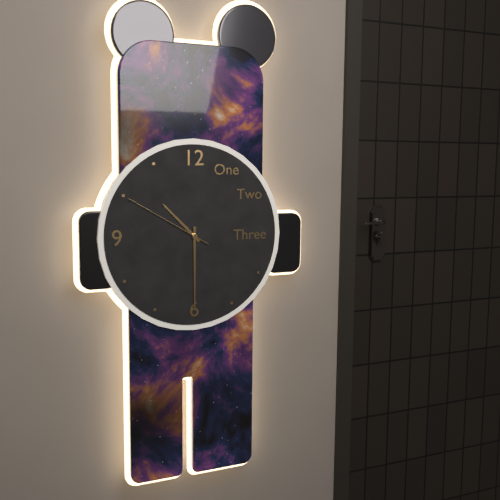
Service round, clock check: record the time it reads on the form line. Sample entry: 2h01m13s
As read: 10h30m50s
